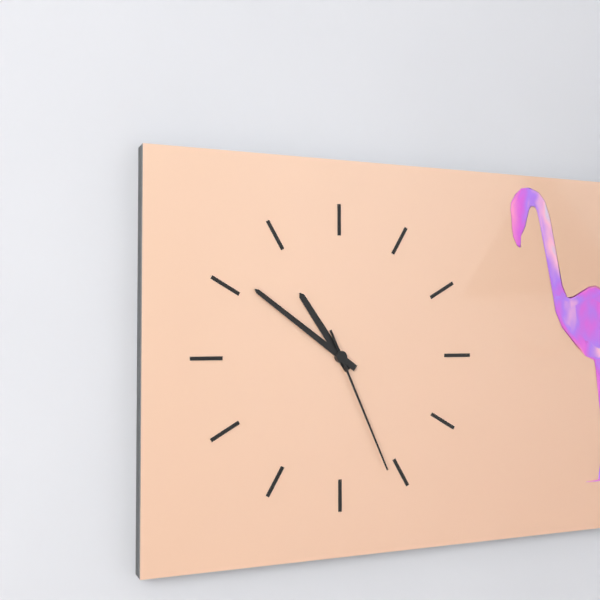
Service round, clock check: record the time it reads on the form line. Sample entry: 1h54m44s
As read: 10h51m26s
